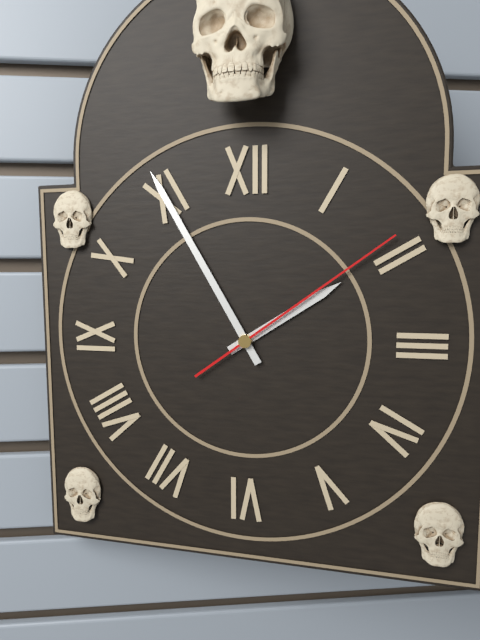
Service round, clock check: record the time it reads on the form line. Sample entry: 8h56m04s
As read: 1h55m09s
